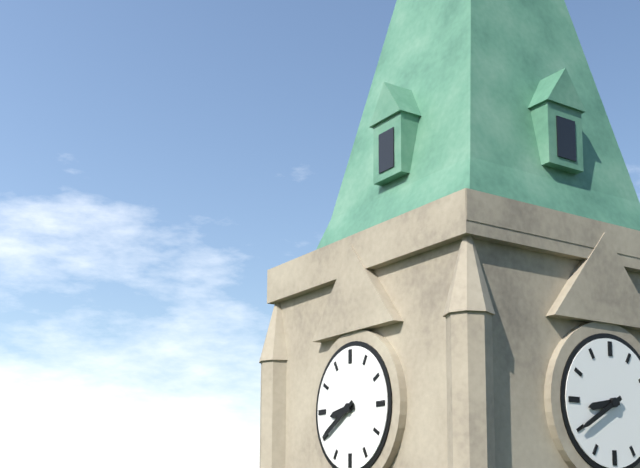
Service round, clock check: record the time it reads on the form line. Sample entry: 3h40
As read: 8h40
